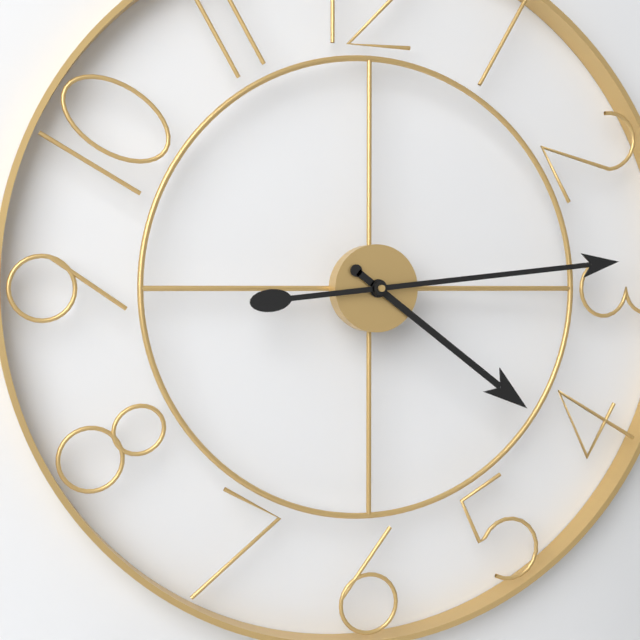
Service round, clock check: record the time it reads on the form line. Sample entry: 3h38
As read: 4h14
